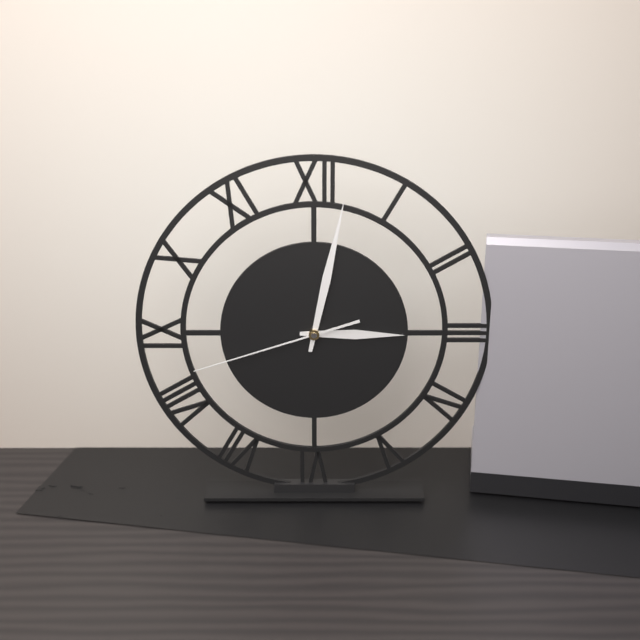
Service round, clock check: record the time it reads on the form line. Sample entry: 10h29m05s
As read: 3h02m42s
